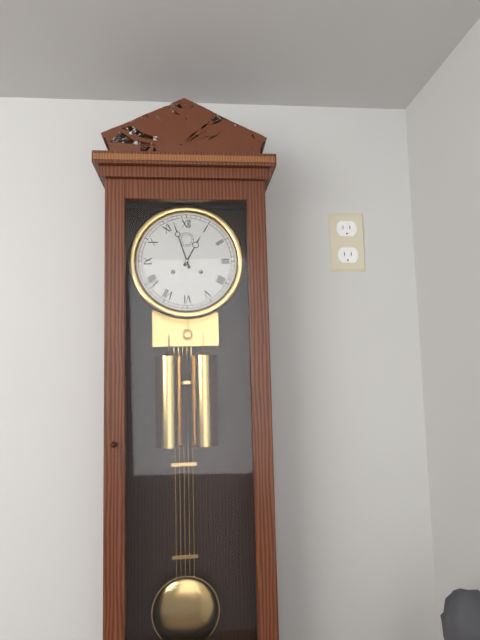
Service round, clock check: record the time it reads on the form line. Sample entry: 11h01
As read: 12h57
